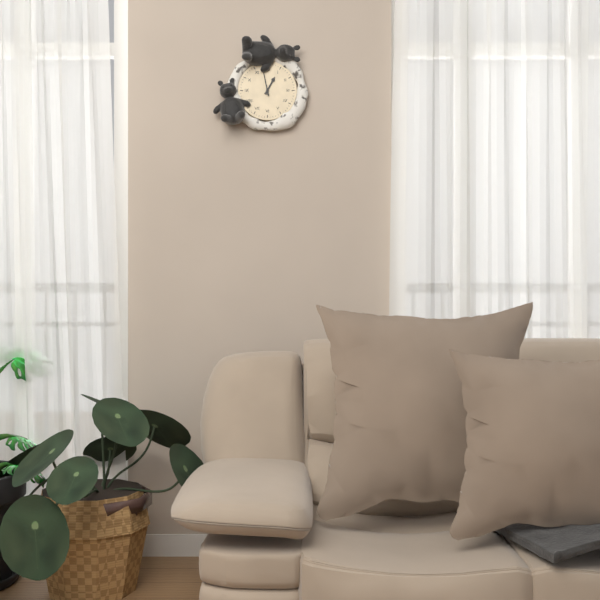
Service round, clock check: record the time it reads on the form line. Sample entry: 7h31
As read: 12h58
